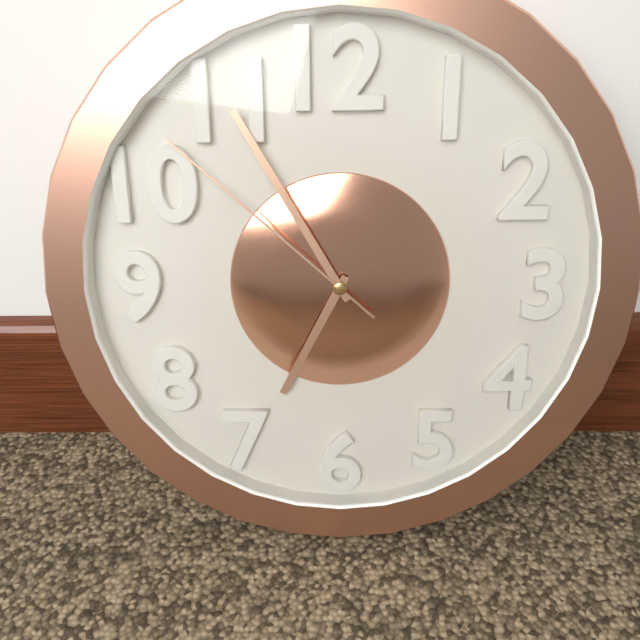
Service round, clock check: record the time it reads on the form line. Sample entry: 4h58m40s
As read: 6h55m52s
